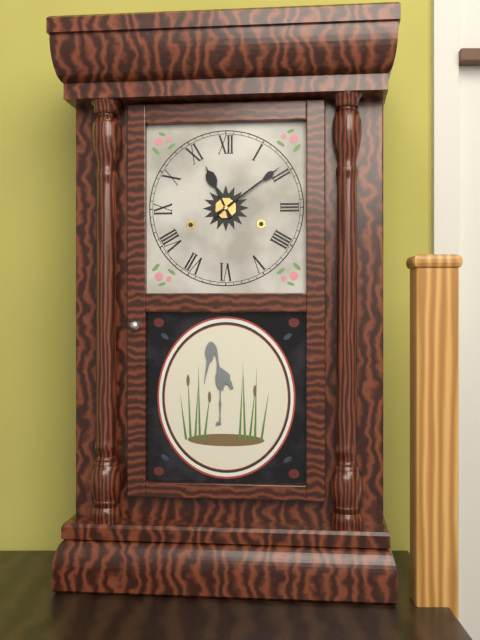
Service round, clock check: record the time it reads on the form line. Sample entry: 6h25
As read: 11h09
